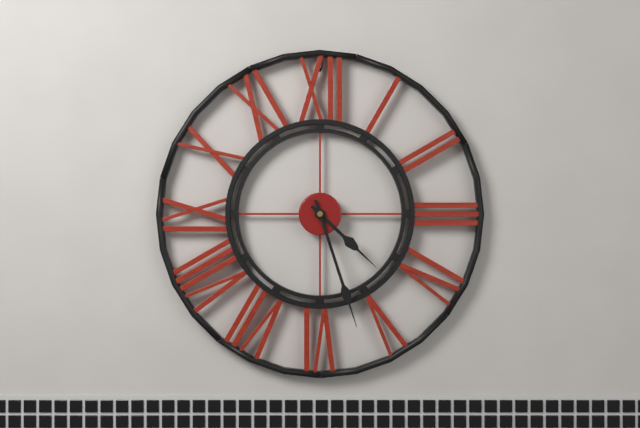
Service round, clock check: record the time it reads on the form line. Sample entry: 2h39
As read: 4h27
